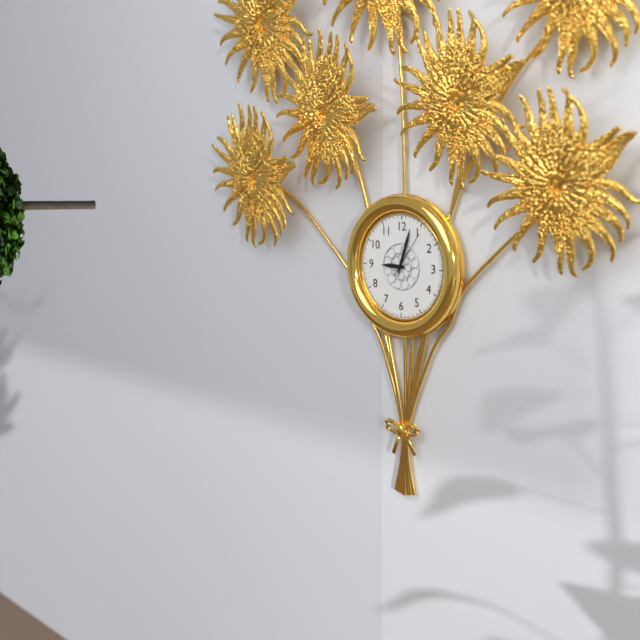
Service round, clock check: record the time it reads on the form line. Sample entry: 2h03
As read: 9h03
